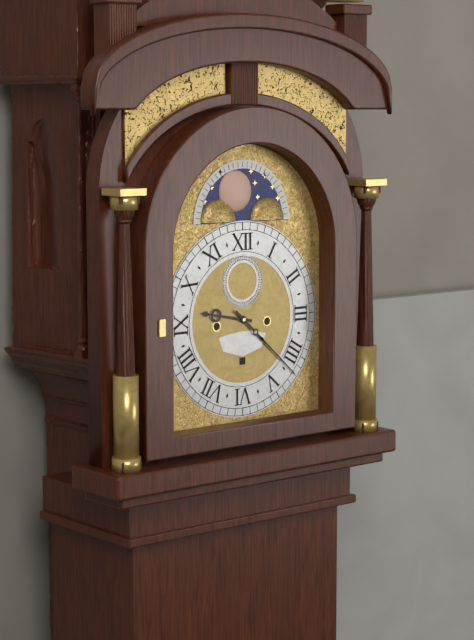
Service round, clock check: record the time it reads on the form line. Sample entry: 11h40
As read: 9h22
